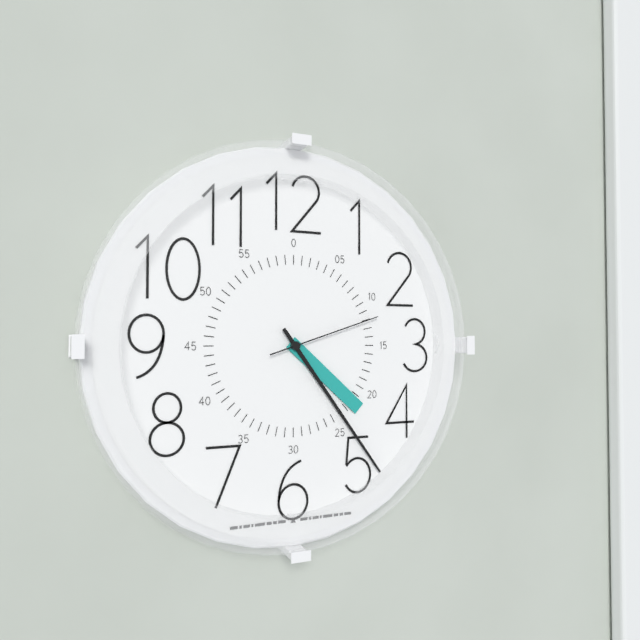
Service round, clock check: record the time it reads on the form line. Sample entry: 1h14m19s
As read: 4h24m12s
